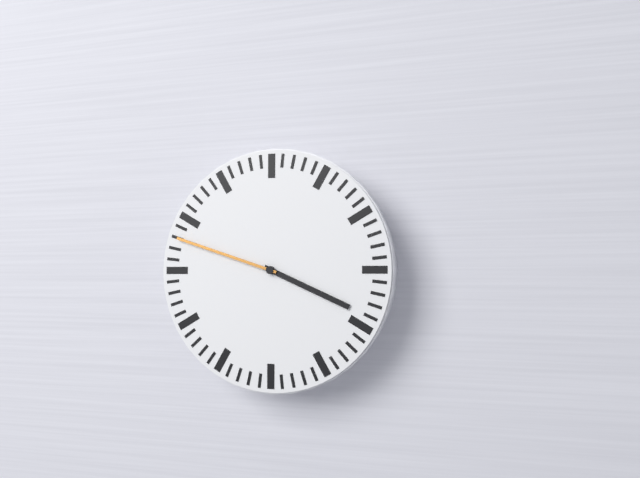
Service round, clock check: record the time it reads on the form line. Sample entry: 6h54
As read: 3h48
